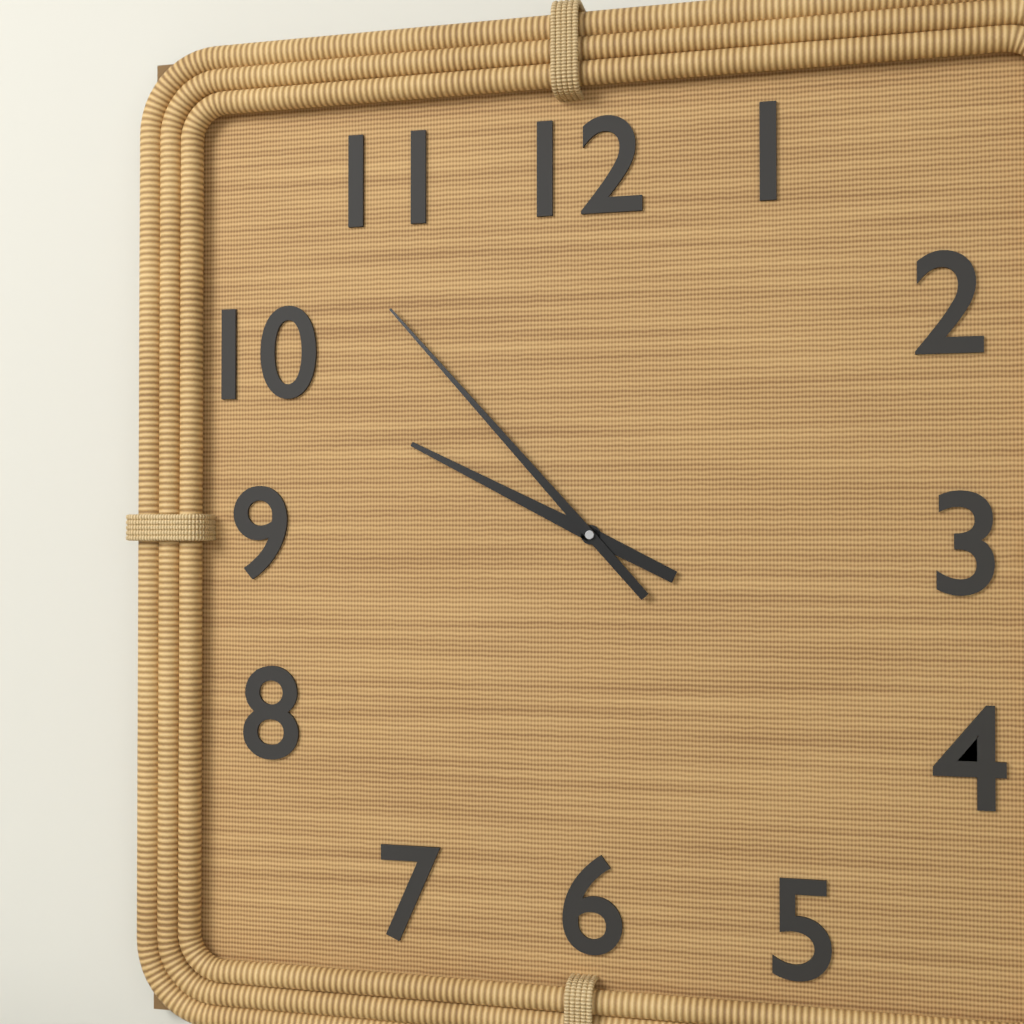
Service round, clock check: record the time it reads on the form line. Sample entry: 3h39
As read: 9h53
